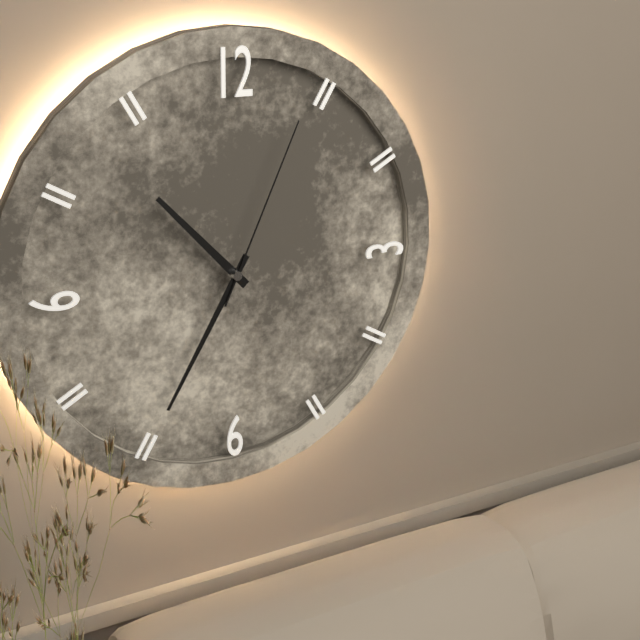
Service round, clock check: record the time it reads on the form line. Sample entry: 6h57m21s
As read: 10h35m04s
